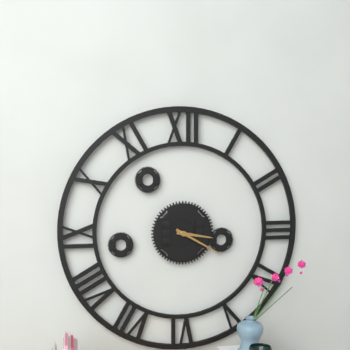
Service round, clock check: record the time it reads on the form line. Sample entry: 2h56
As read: 3h20
